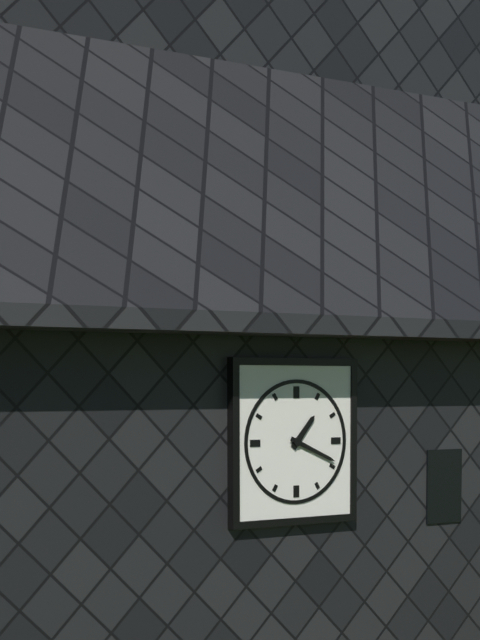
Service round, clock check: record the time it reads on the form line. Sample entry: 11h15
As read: 1h19
